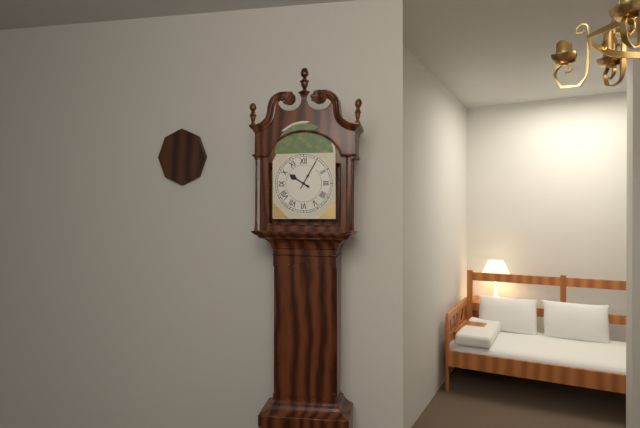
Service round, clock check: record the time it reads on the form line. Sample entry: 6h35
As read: 10h05
